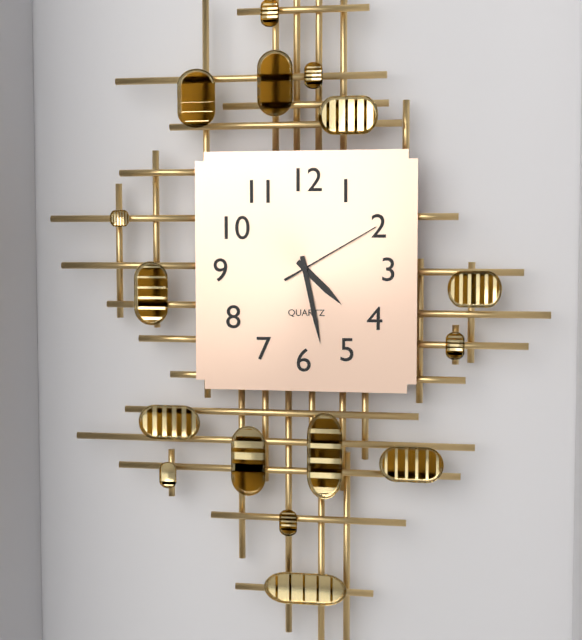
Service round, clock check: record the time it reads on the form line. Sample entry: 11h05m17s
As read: 4h28m10s
